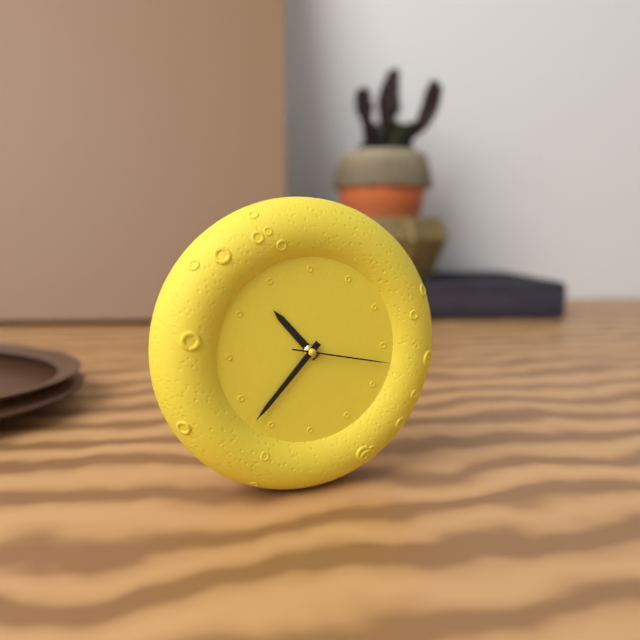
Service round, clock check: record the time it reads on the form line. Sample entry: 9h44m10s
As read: 10h37m17s
